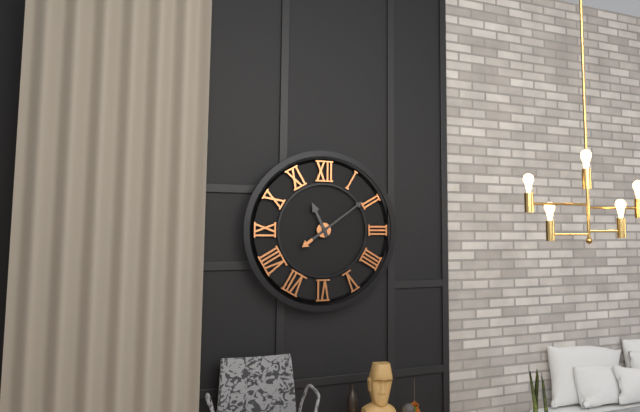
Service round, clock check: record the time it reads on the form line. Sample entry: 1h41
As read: 11h09
